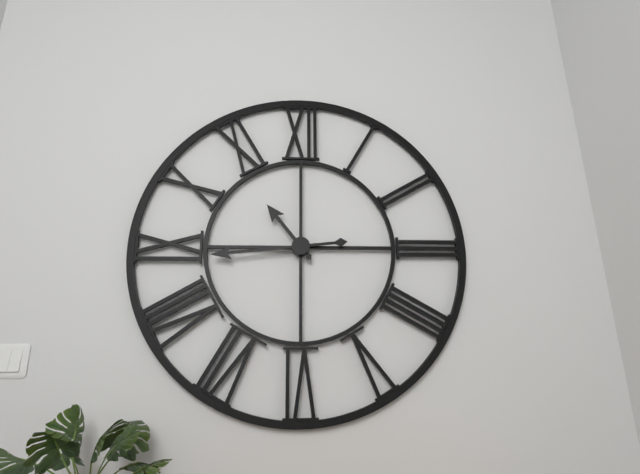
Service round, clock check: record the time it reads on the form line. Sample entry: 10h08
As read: 10h44
